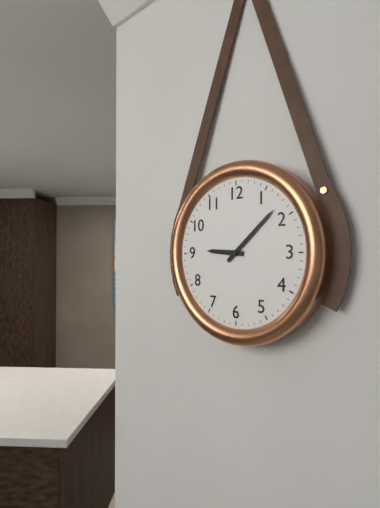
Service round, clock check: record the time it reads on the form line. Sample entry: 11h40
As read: 9h08
